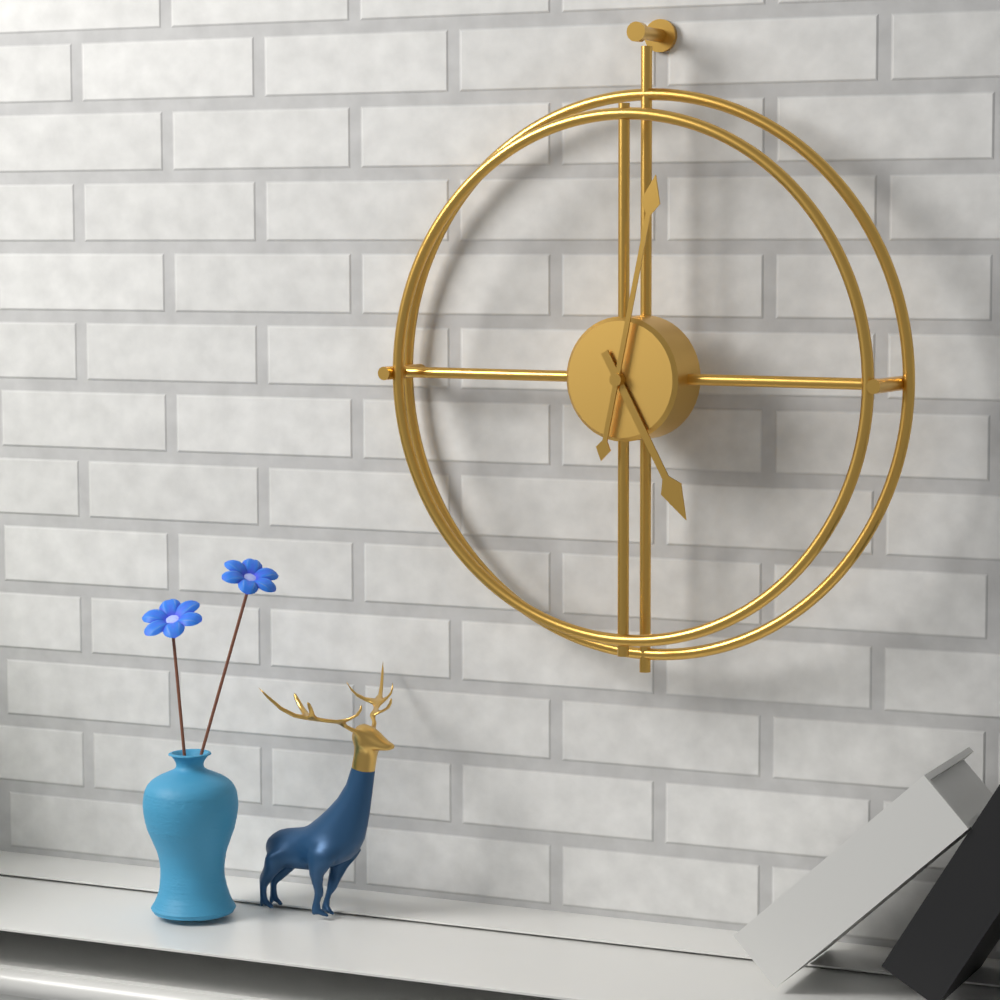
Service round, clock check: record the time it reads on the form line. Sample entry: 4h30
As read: 5h02
